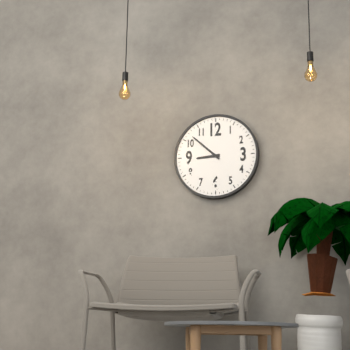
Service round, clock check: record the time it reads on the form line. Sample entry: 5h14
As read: 8h52
